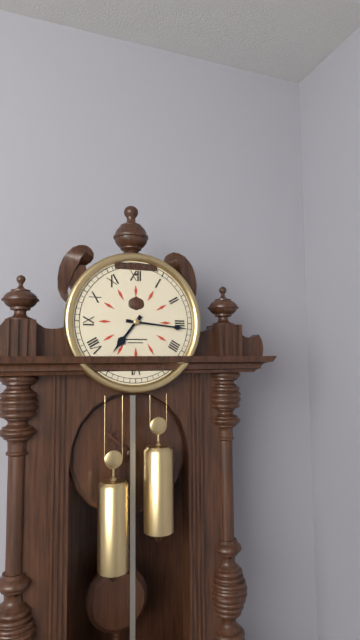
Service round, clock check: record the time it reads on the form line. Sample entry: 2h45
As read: 7h16
